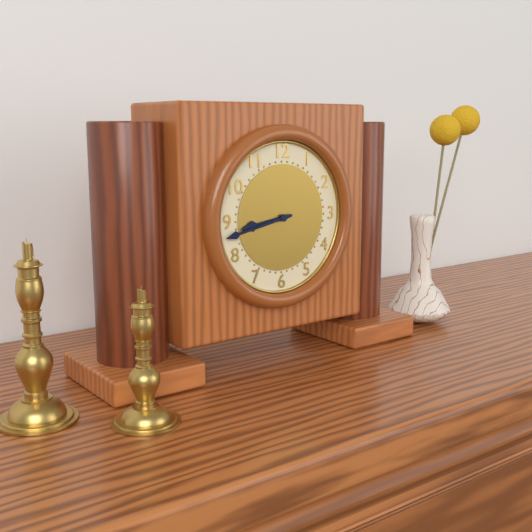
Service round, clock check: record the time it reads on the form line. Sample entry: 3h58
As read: 8h43
